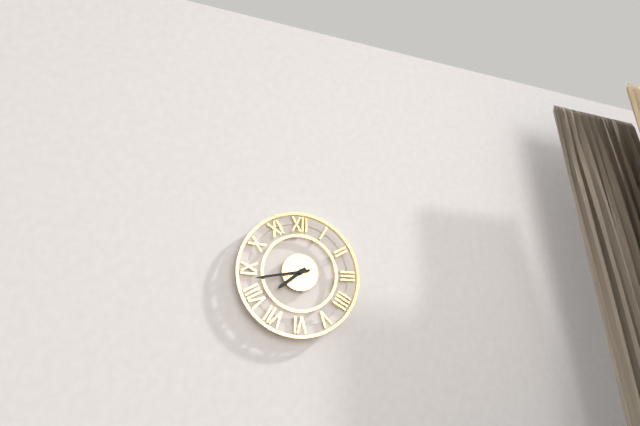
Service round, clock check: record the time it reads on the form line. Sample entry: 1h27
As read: 7h43
